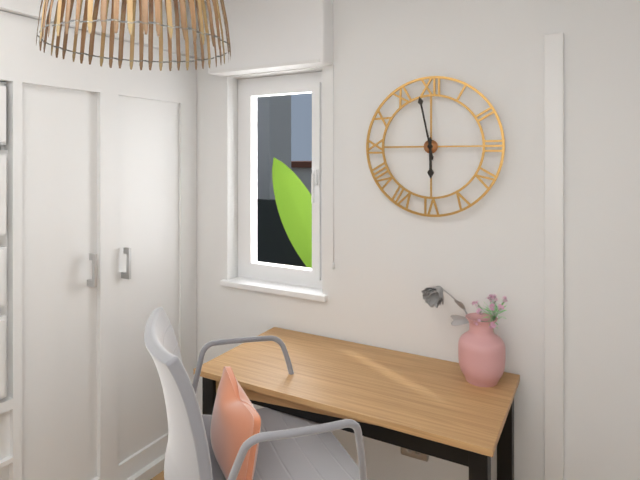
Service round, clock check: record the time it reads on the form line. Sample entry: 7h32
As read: 5h58
